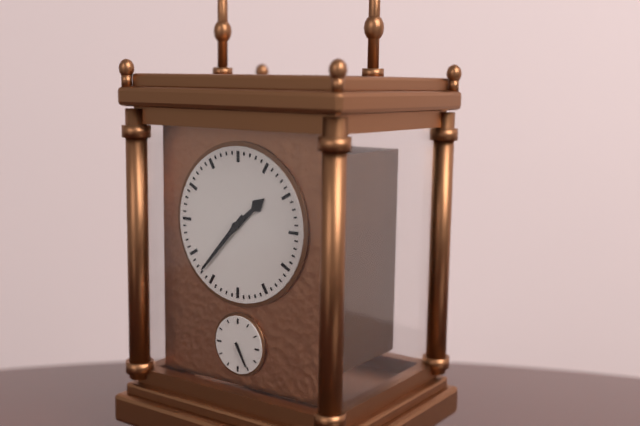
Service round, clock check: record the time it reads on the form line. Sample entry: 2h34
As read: 1h37
